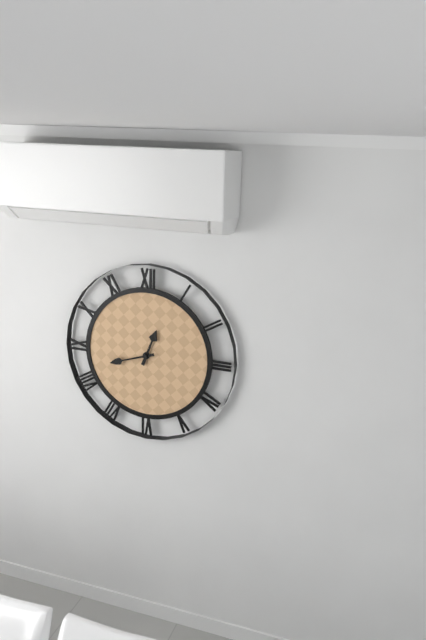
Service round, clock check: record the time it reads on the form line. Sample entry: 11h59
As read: 12h42
